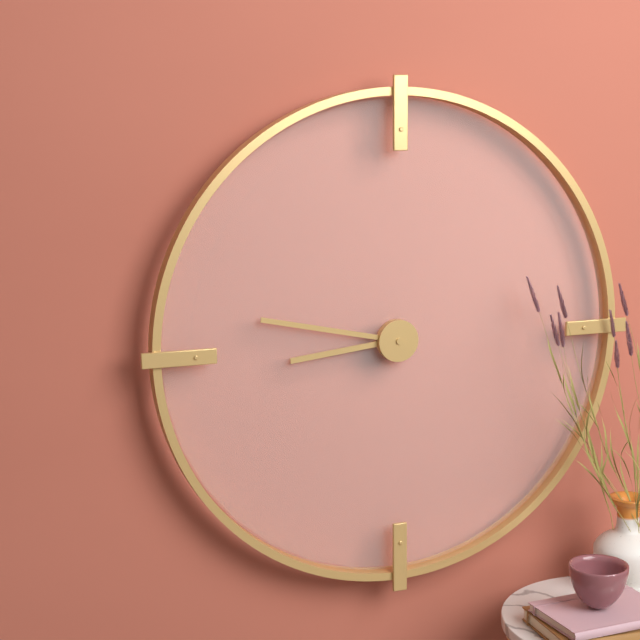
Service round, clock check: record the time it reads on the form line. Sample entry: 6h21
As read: 8h47
